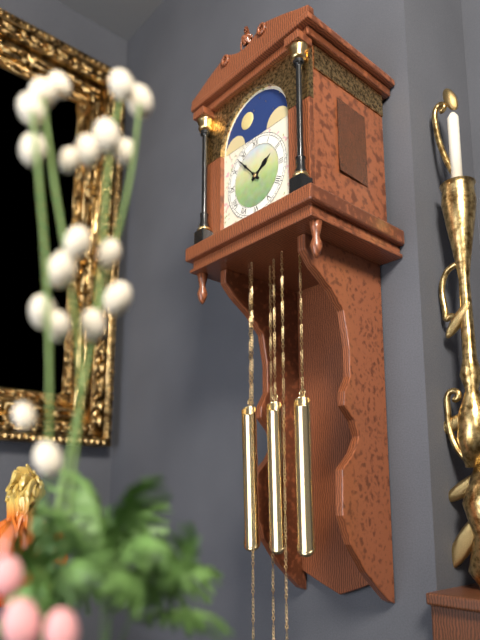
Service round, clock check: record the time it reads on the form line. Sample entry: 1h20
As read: 1h53
